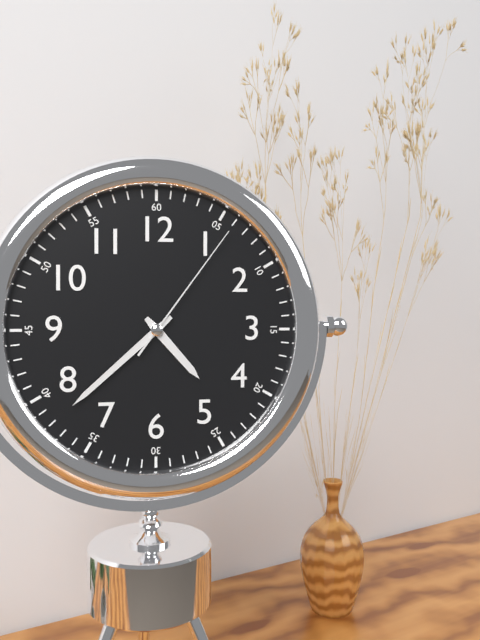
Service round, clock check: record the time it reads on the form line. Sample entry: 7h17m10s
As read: 4h38m06s
